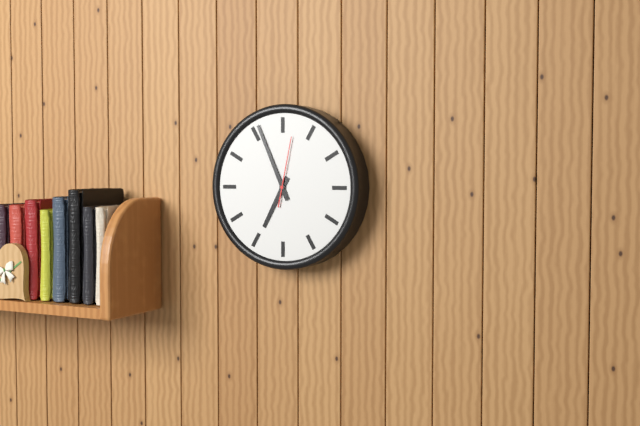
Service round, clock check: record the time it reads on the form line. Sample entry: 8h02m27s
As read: 6h56m02s
